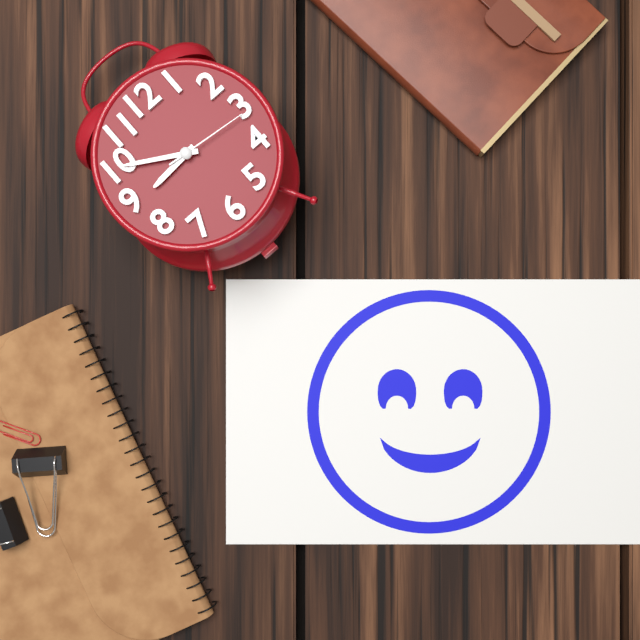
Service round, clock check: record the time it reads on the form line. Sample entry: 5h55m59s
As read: 8h50m16s
